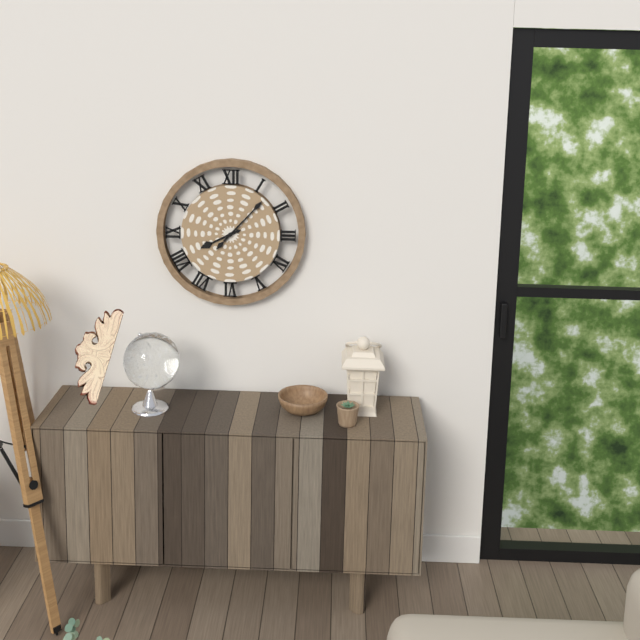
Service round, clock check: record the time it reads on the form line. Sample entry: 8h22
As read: 8h07
